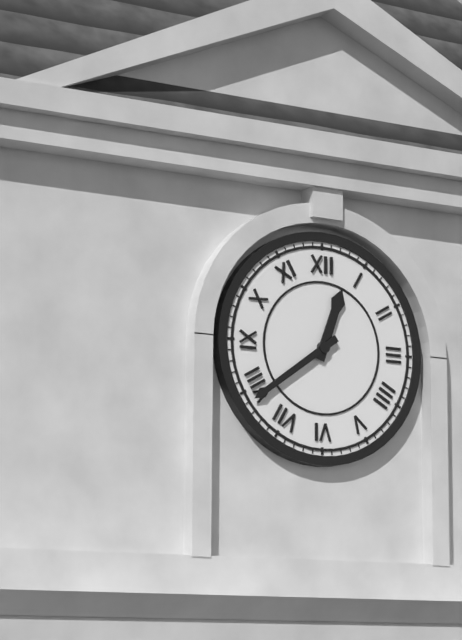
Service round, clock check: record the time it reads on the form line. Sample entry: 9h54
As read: 12h39
